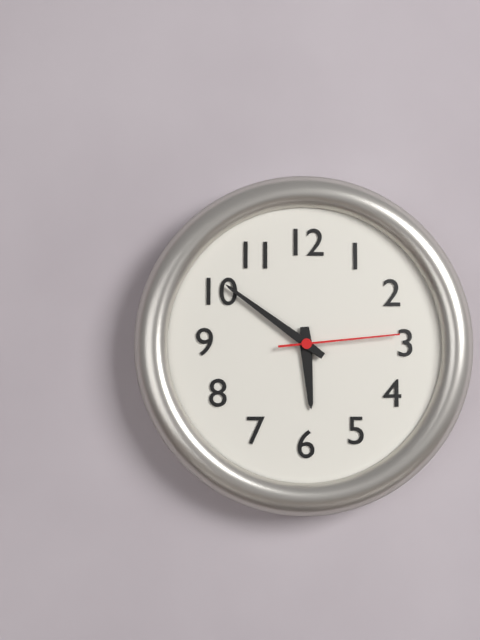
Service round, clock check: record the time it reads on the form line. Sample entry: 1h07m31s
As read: 5h51m14s
